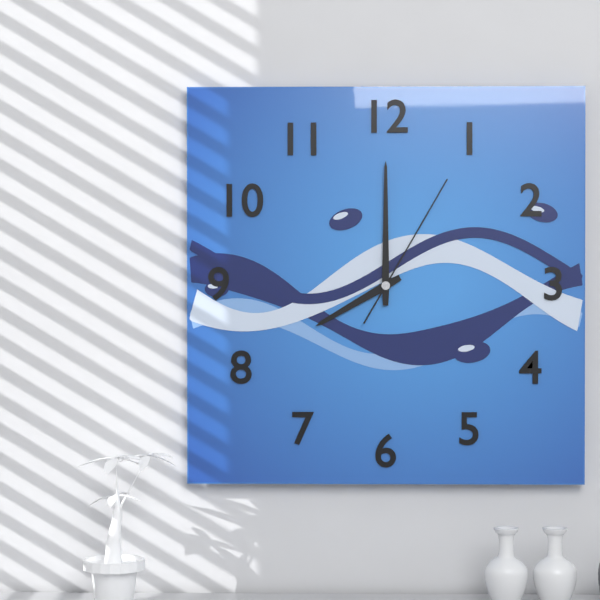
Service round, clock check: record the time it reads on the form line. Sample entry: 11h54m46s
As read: 8h00m05s
